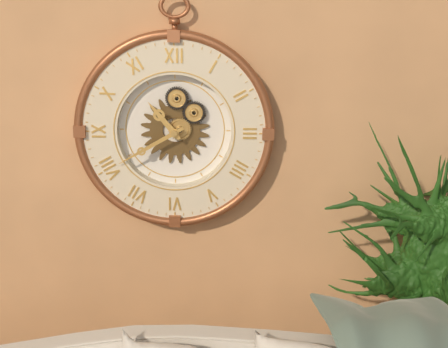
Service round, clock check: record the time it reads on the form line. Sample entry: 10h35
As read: 10h40
